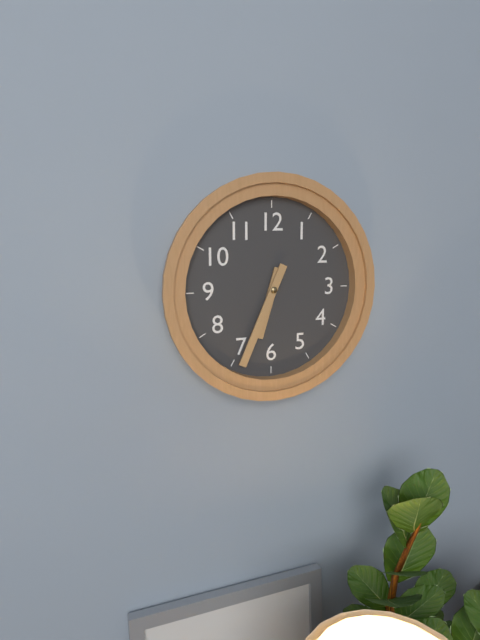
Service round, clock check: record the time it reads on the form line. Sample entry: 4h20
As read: 6h34
